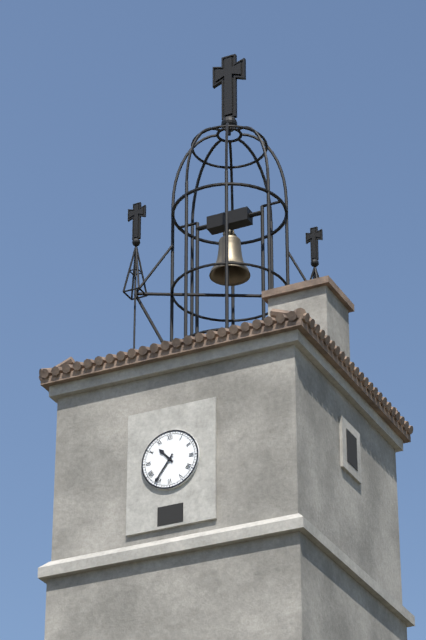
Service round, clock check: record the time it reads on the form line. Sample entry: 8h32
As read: 10h36
